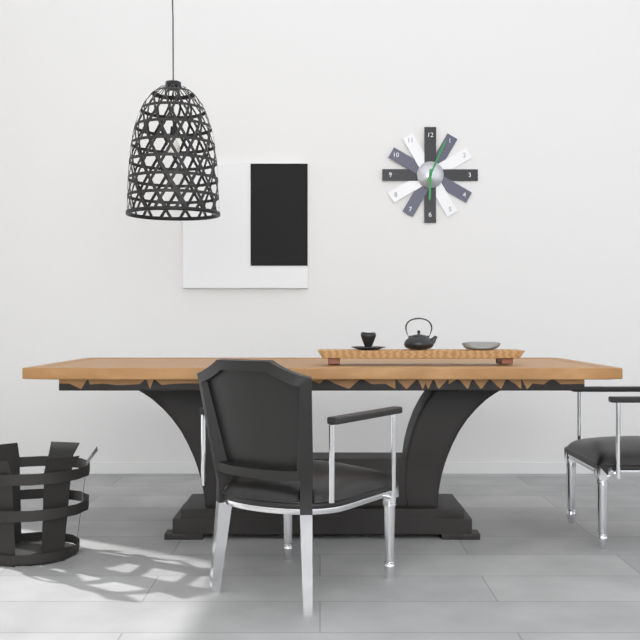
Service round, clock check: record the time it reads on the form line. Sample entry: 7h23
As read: 6h04
